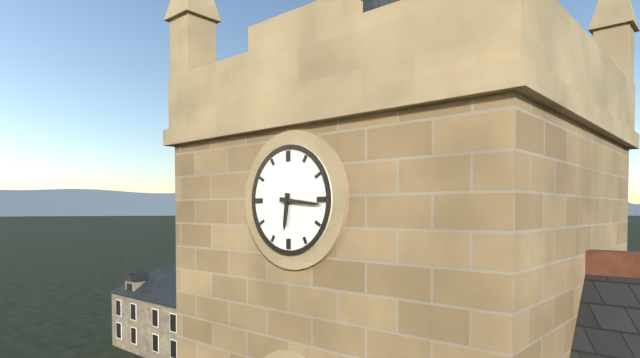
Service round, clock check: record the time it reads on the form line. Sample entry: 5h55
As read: 6h16
